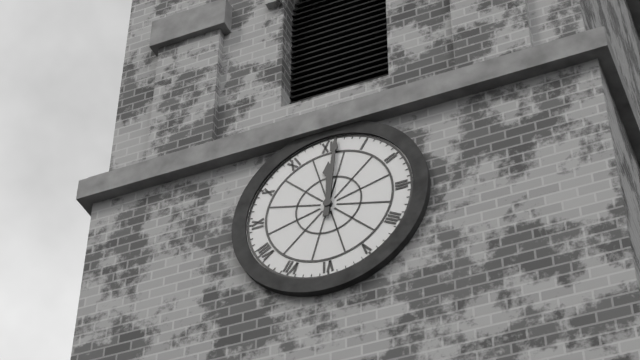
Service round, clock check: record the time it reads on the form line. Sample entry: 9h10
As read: 12h01
